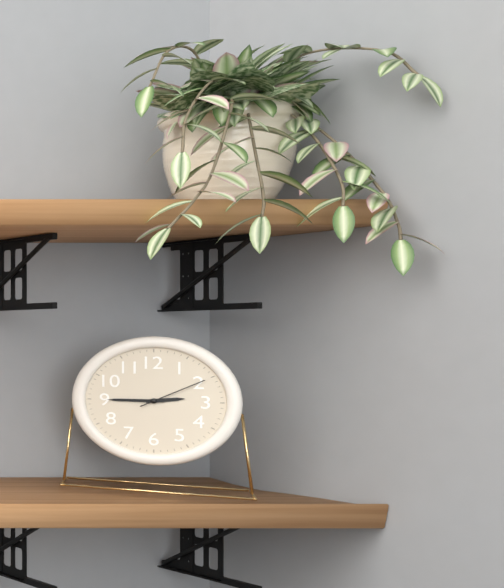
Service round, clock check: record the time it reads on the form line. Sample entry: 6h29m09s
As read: 2h45m10s
